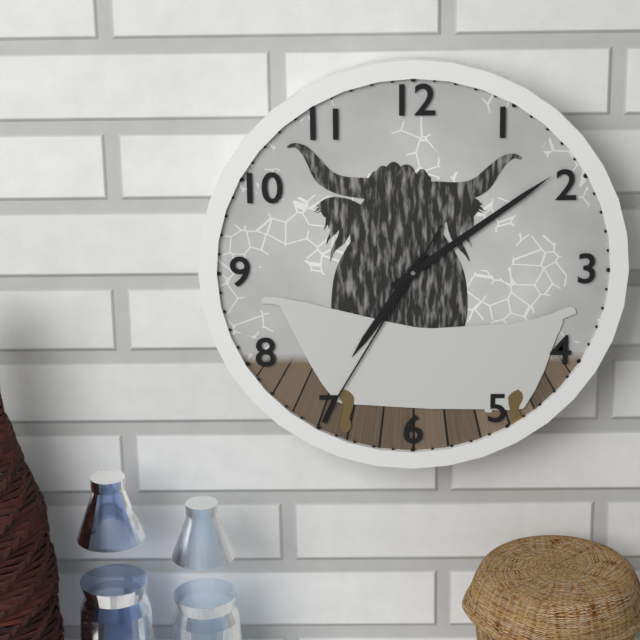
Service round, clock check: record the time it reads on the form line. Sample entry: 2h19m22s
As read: 7h09m35s
